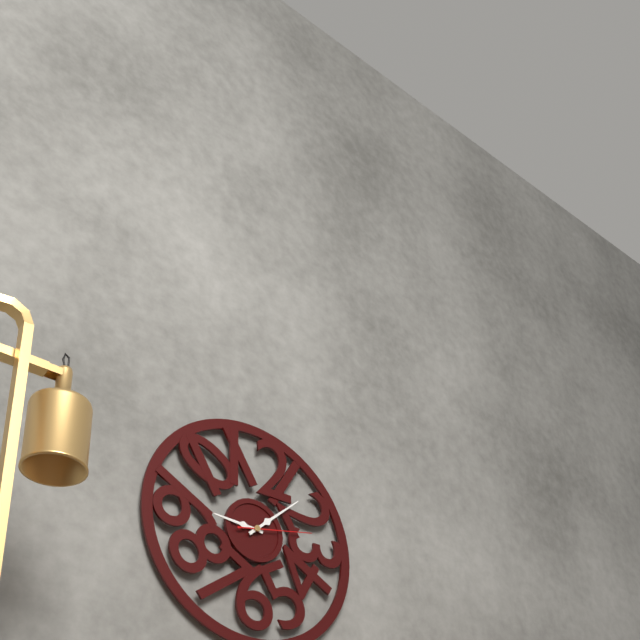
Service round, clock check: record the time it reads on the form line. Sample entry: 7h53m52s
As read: 9h08m13s
